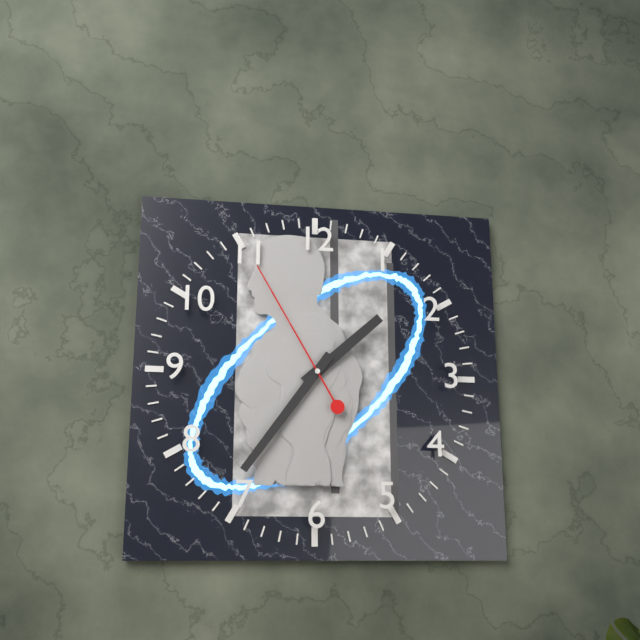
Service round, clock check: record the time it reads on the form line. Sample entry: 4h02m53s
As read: 1h36m55s
